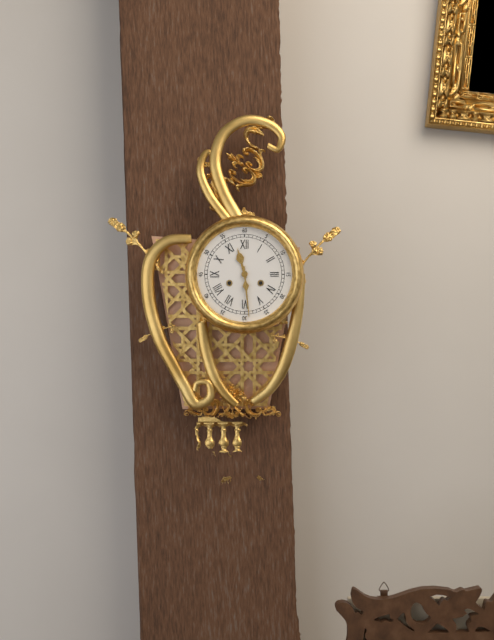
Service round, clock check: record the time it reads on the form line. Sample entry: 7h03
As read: 11h29
